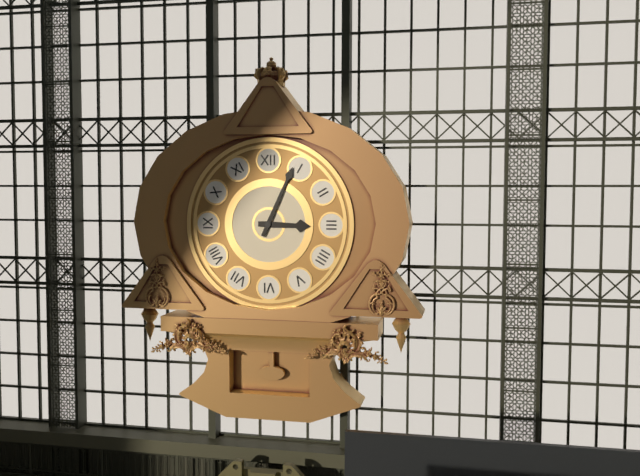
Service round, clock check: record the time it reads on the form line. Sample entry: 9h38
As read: 3h04
